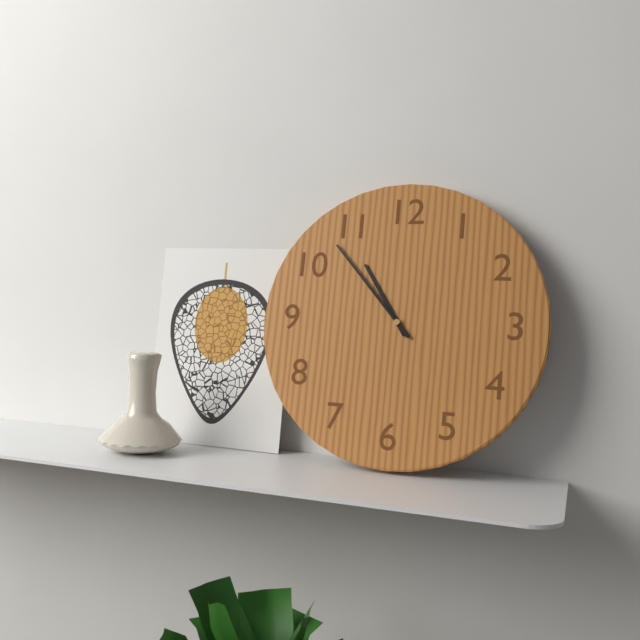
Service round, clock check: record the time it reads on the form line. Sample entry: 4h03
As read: 10h53
